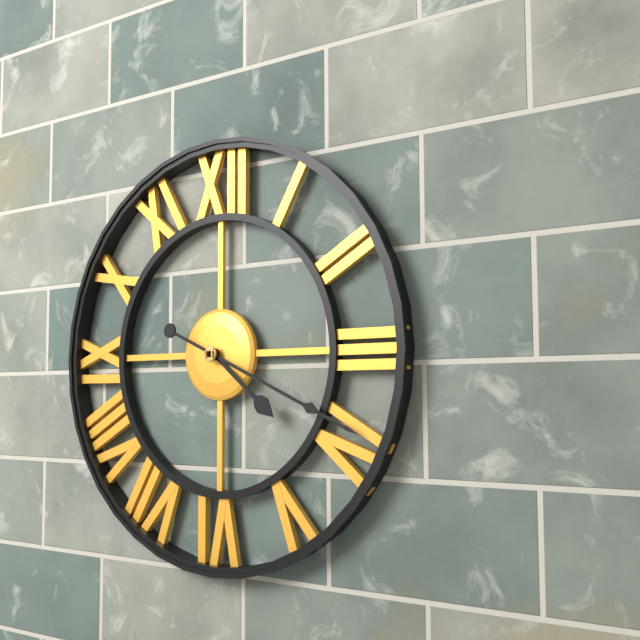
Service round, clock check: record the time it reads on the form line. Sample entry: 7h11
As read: 4h19
